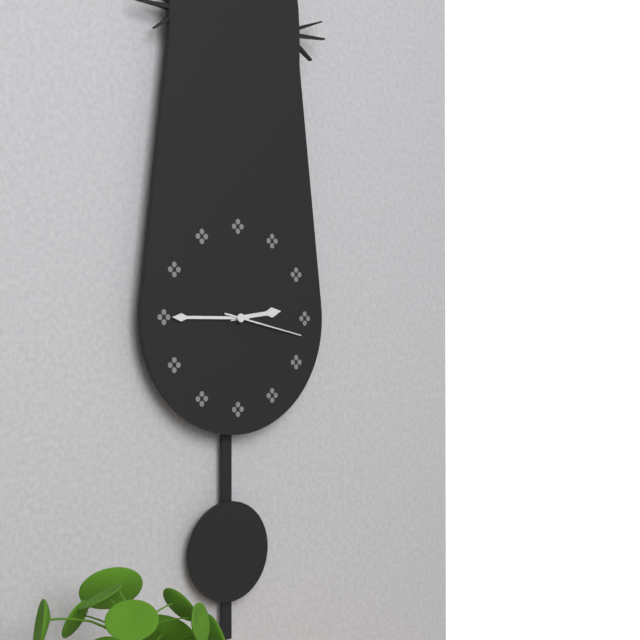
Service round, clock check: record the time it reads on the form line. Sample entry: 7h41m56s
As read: 2h45m17s
